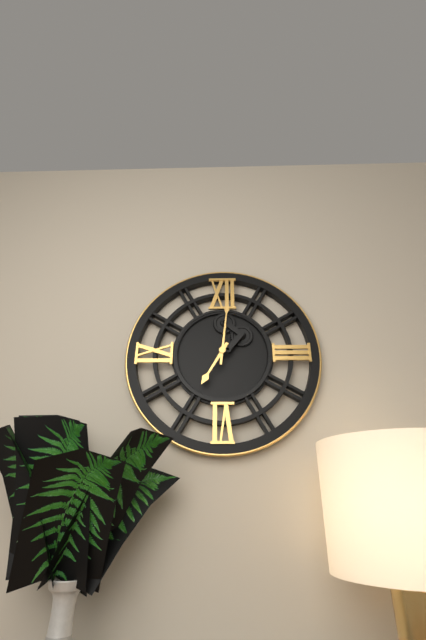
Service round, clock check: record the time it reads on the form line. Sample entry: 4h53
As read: 7h01
